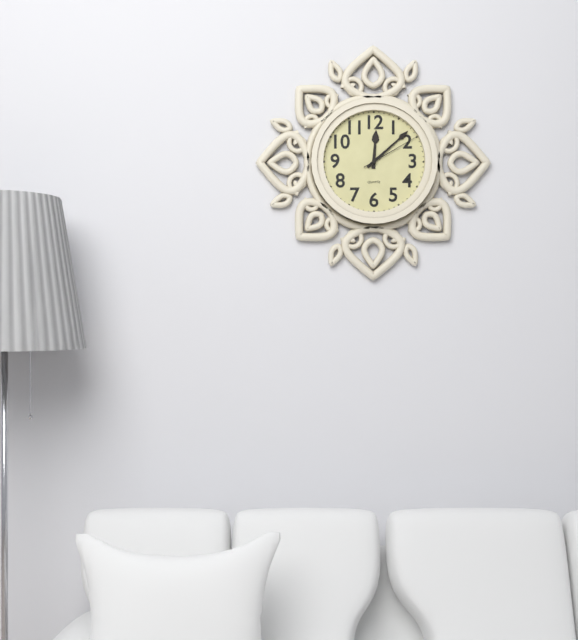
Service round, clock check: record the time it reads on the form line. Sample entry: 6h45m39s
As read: 12h08m10s
